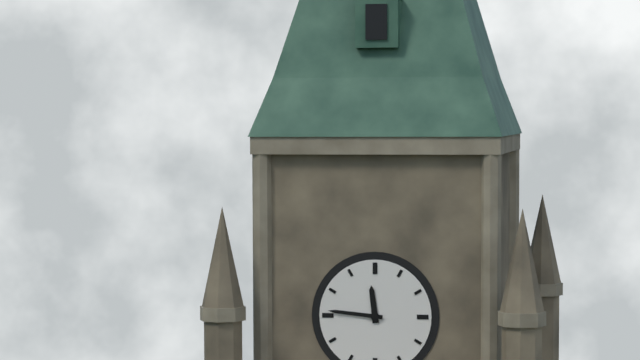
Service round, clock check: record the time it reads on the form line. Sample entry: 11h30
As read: 11h46
